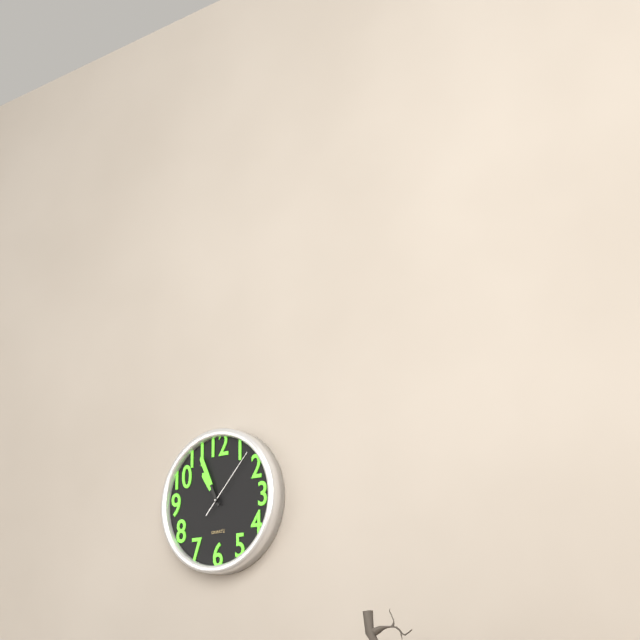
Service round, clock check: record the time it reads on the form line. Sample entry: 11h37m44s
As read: 10h56m07s
